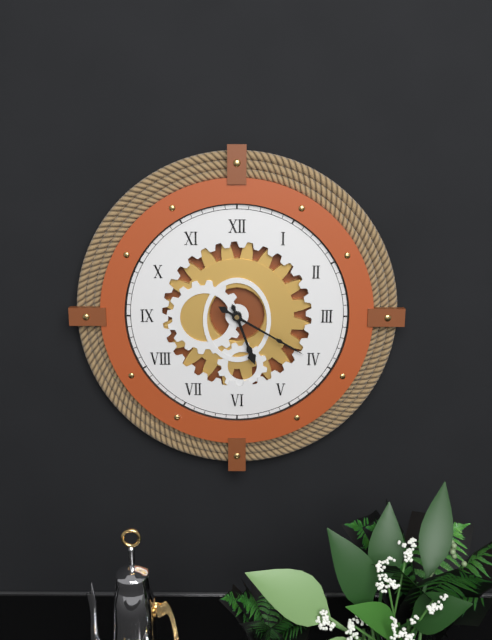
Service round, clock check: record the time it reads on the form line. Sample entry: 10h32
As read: 5h20
